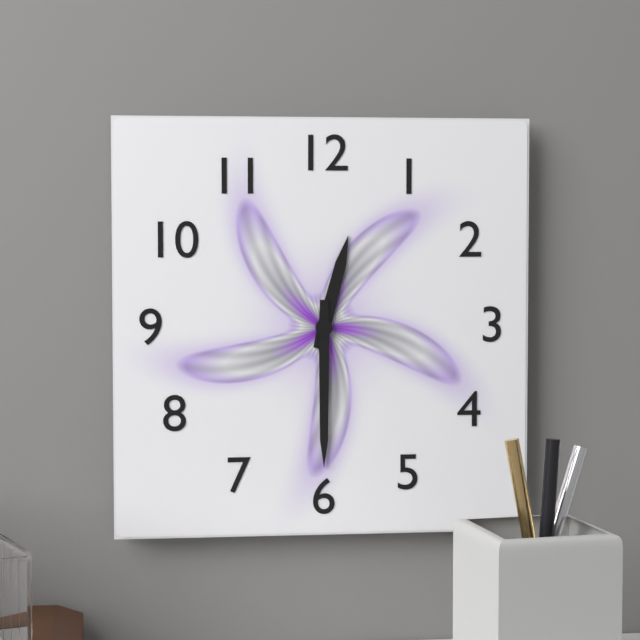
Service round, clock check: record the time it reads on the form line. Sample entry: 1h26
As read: 12h30
